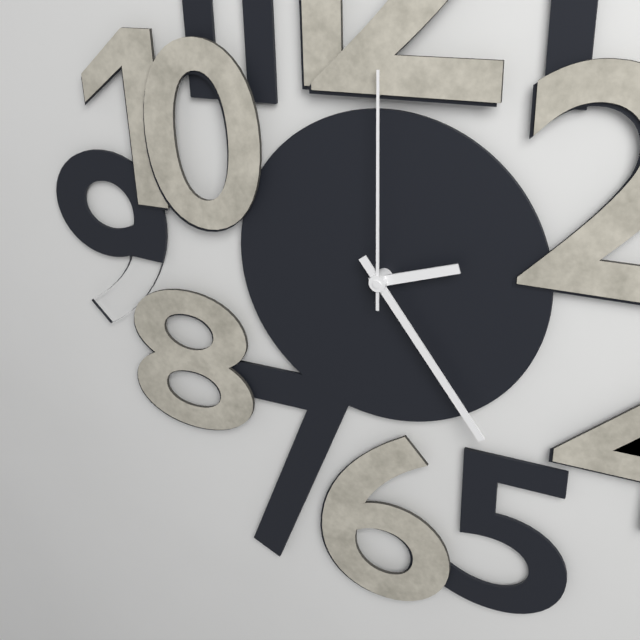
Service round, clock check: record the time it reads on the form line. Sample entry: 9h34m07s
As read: 2h24m00s
